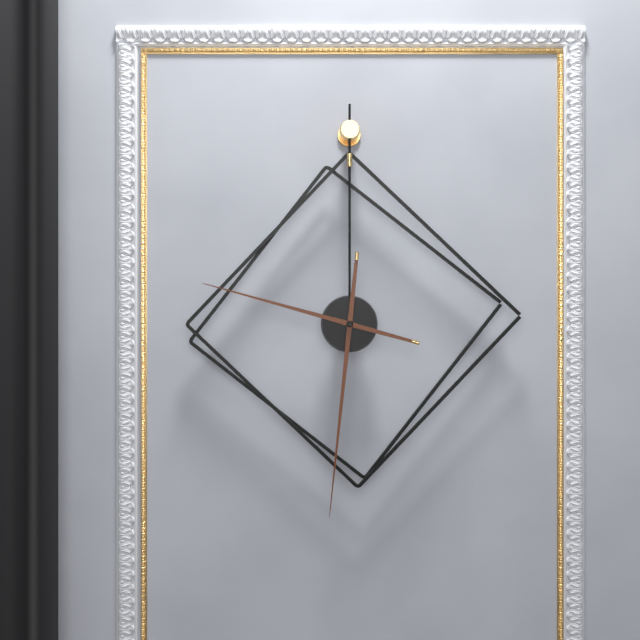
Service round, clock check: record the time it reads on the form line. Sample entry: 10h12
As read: 9h31
